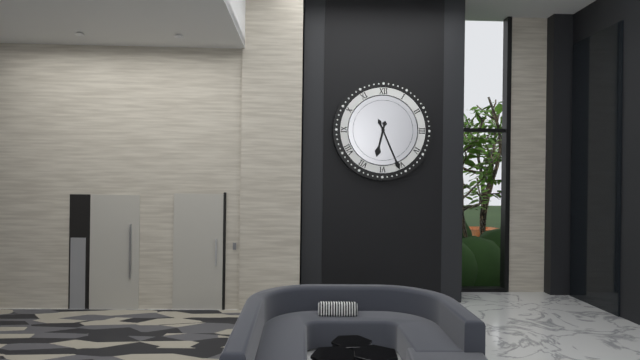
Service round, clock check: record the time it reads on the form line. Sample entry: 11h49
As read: 6h26
